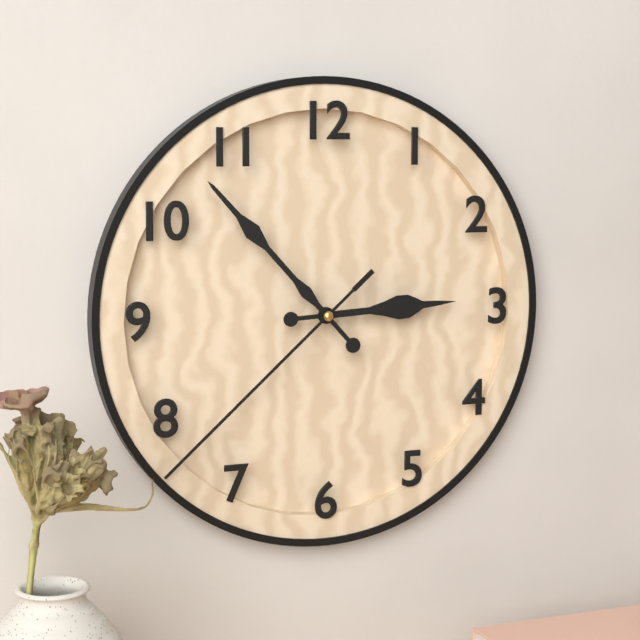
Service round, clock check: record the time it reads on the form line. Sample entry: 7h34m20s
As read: 2h53m38s
